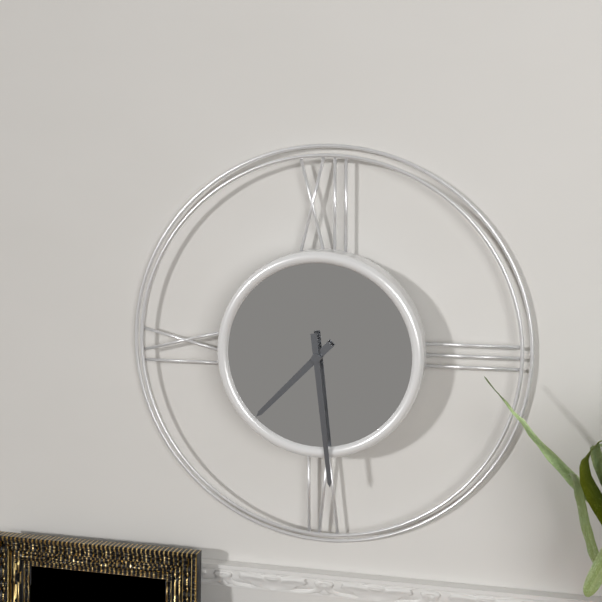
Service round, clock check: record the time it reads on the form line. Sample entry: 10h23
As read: 7h29
